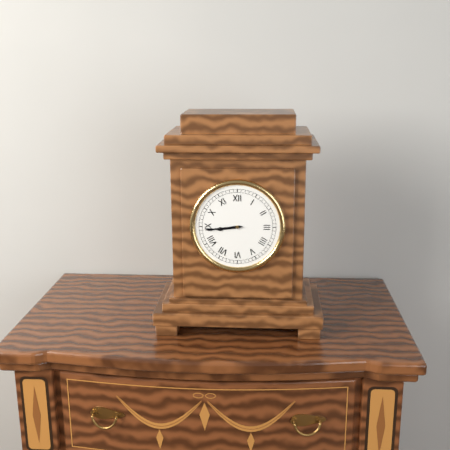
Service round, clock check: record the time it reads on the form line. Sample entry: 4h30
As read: 8h44
